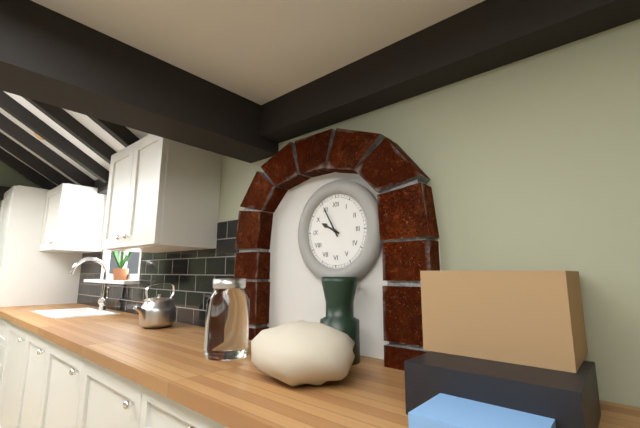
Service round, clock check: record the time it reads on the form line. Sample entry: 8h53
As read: 9h55
